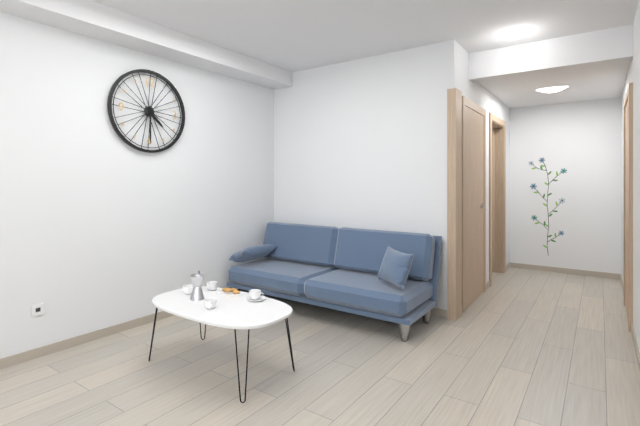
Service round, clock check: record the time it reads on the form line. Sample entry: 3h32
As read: 4h30
